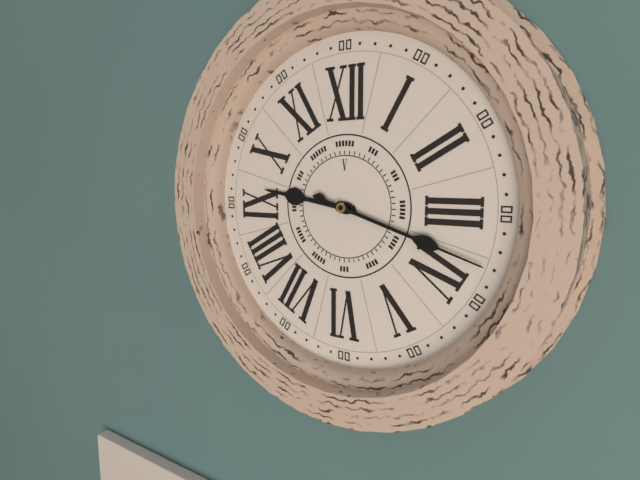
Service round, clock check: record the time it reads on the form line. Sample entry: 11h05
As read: 9h18
